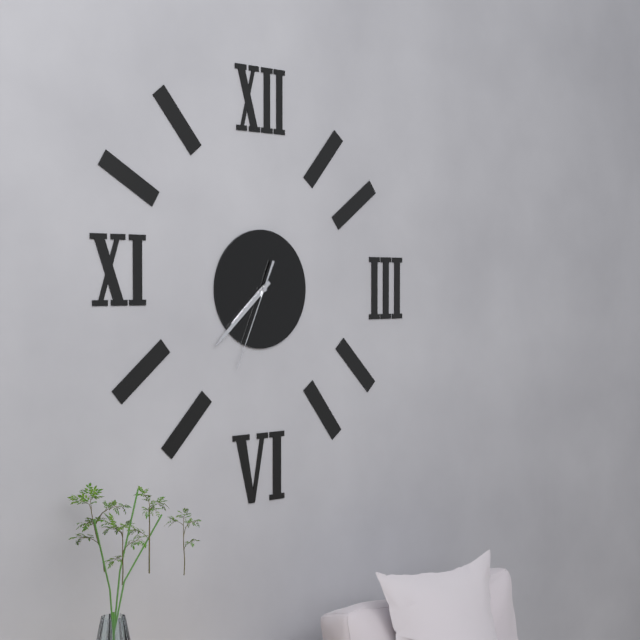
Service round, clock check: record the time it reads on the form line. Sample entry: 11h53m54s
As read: 7h38m34s
